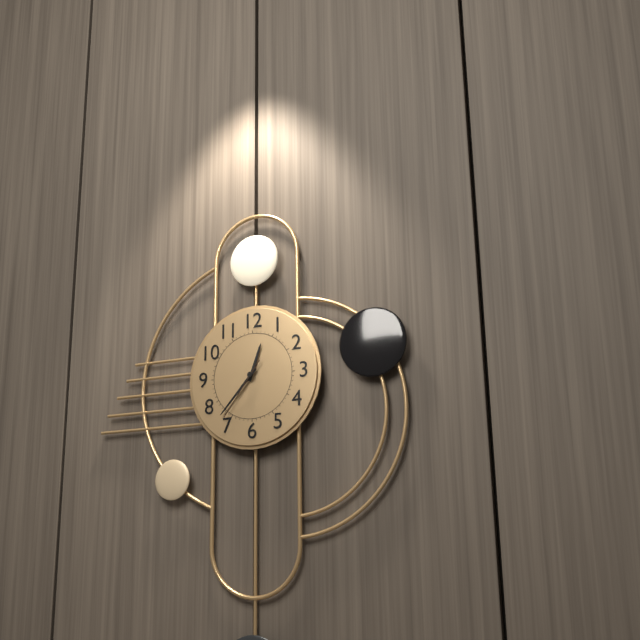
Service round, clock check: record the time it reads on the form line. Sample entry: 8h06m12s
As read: 12h37m36s
